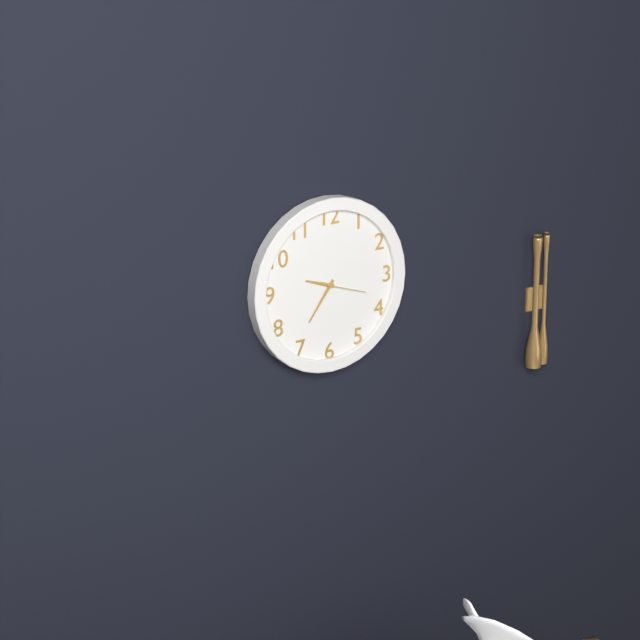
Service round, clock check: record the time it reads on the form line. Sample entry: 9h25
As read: 9h36
